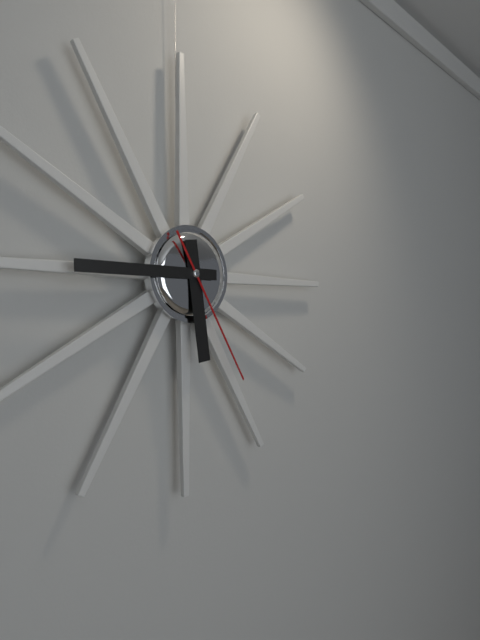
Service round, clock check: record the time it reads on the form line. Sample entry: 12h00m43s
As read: 5h45m25s
